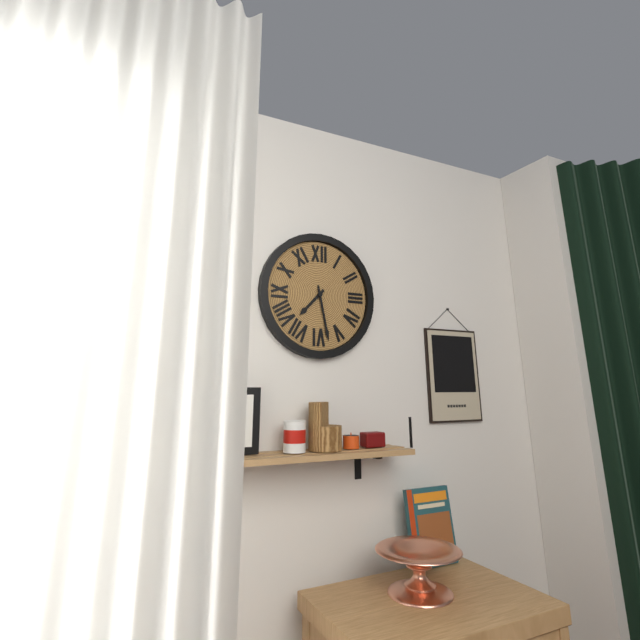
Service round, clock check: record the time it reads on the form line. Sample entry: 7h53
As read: 7h28
